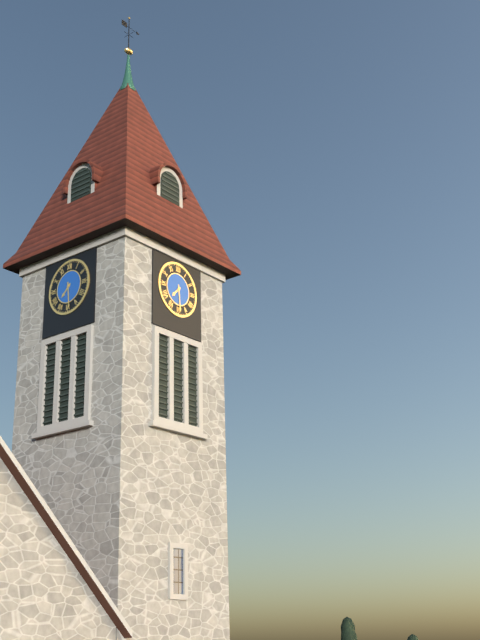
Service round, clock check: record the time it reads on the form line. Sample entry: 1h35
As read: 7h29
